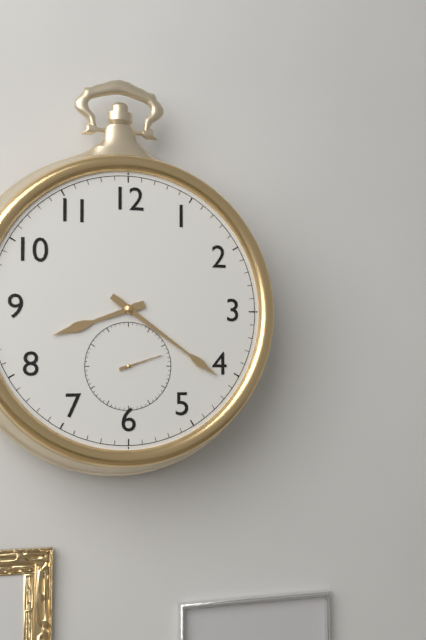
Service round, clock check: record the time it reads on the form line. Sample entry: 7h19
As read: 8h21
